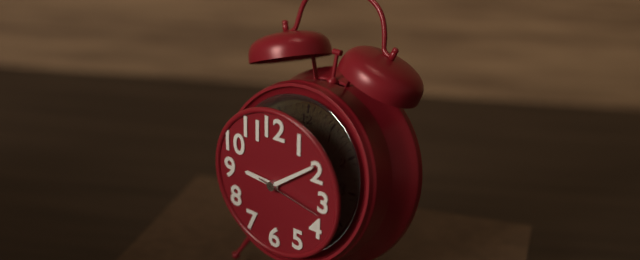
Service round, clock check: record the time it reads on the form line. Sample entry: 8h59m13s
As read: 9h09m17s
